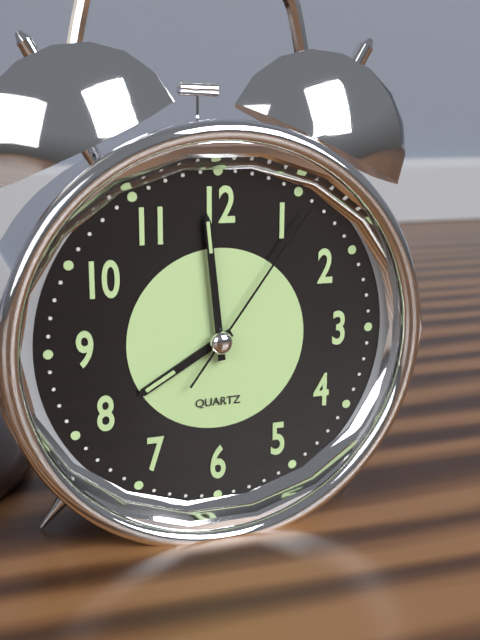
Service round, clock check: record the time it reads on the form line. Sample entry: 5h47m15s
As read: 7h59m06s
